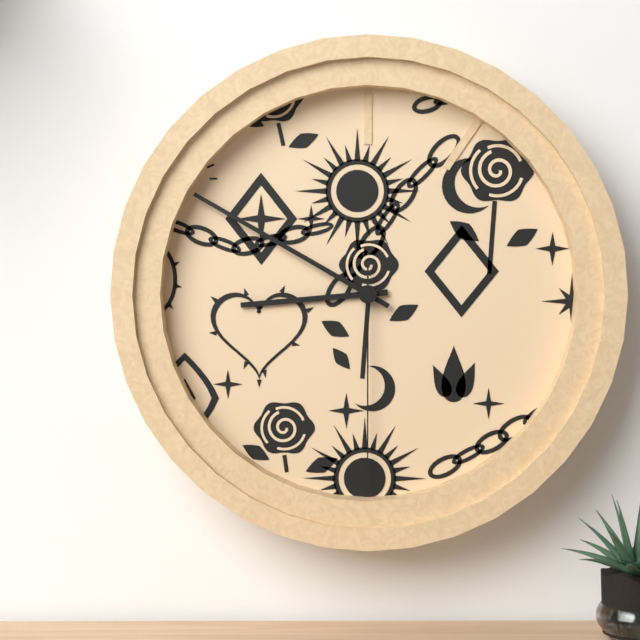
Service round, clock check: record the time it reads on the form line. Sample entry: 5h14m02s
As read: 8h50m30s
